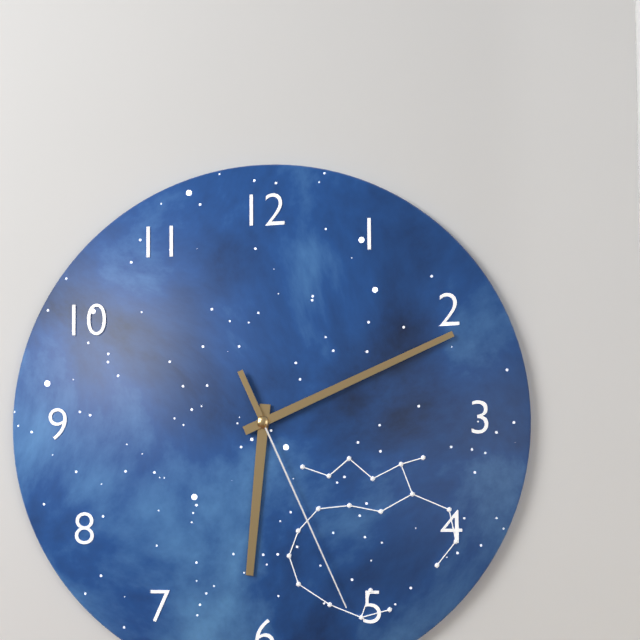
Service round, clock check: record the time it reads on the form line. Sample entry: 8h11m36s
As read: 6h11m26s
